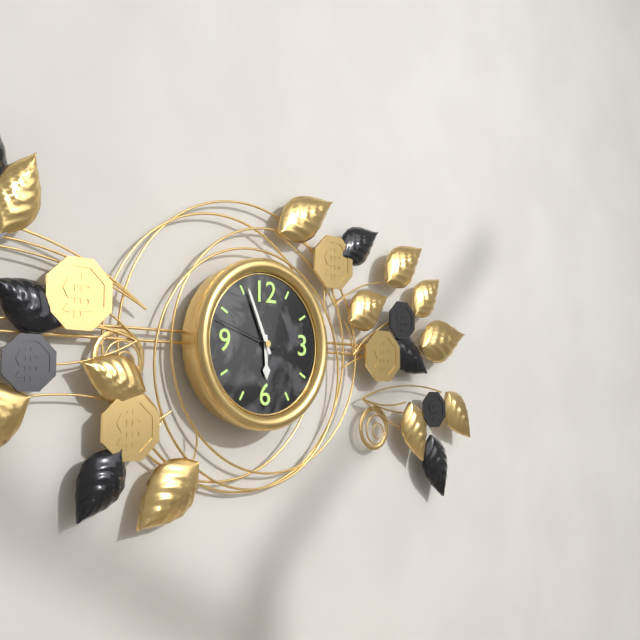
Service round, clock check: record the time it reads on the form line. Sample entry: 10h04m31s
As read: 5h56m48s
